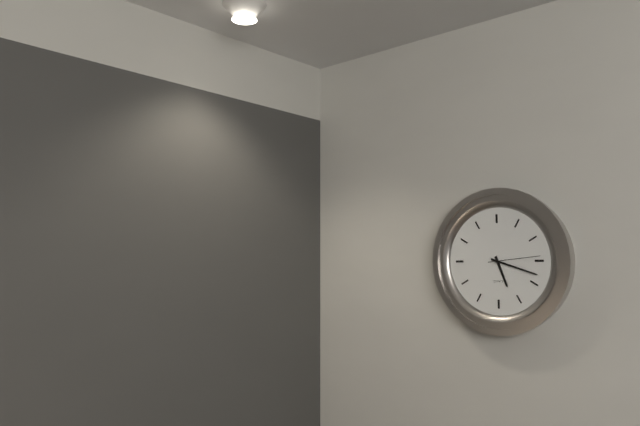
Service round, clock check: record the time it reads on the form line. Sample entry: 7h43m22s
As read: 5h18m14s
